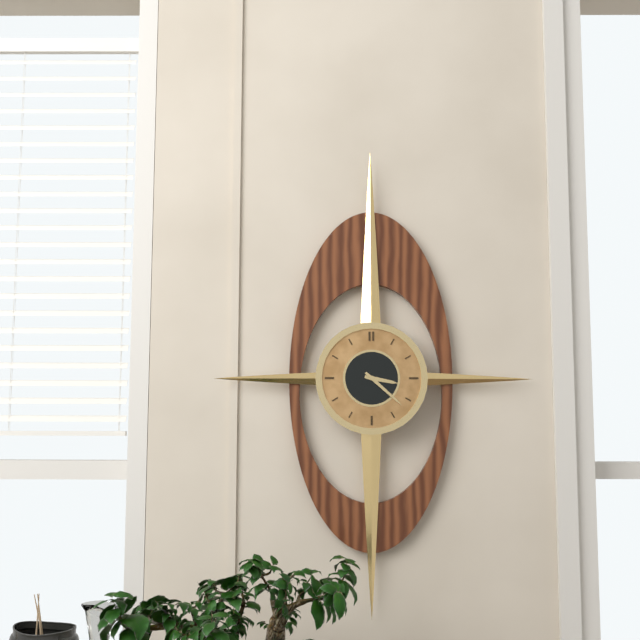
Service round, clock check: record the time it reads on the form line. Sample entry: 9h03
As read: 3h22
